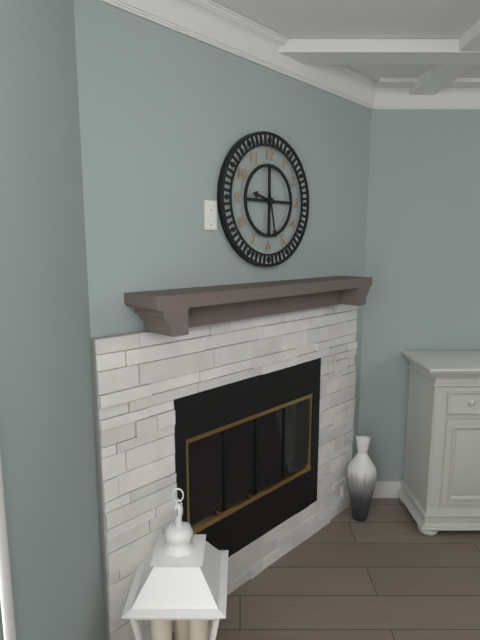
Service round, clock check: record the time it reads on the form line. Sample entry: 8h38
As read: 9h28
